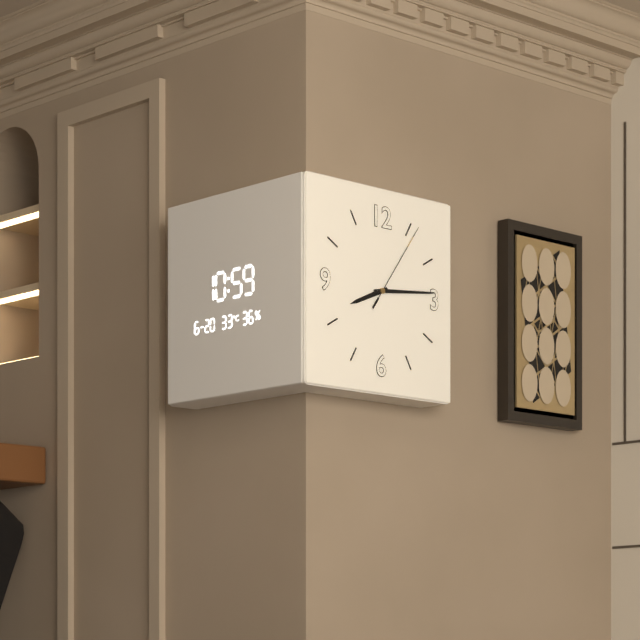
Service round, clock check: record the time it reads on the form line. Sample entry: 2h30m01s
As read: 8h14m06s
